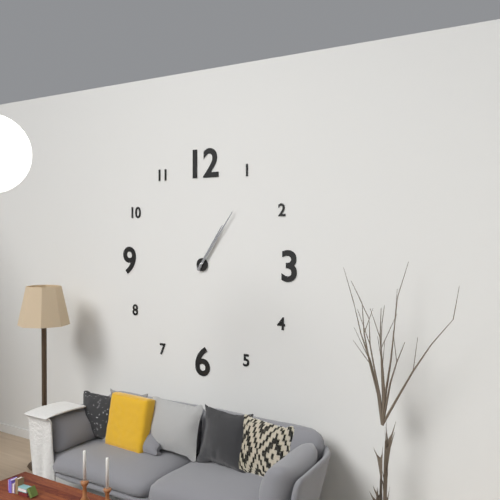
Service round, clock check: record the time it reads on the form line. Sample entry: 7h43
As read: 1h06
